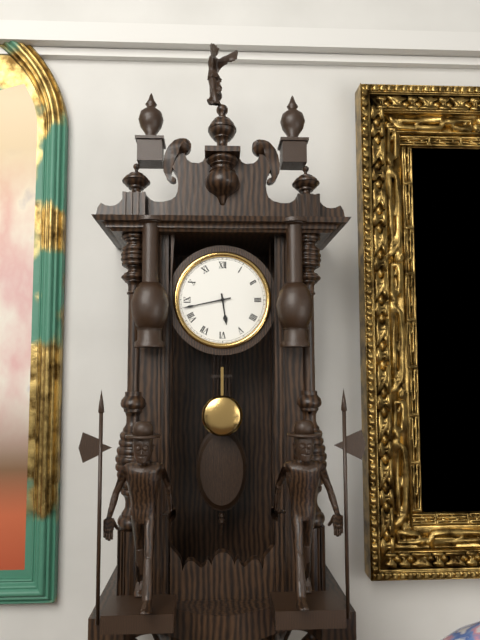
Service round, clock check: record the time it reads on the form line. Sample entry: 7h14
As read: 5h43
